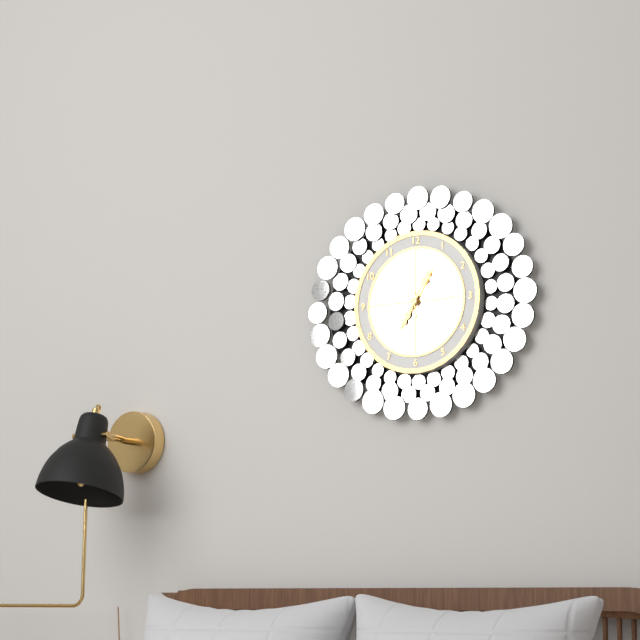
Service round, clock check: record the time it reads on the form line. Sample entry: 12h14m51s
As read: 7h05m28s
